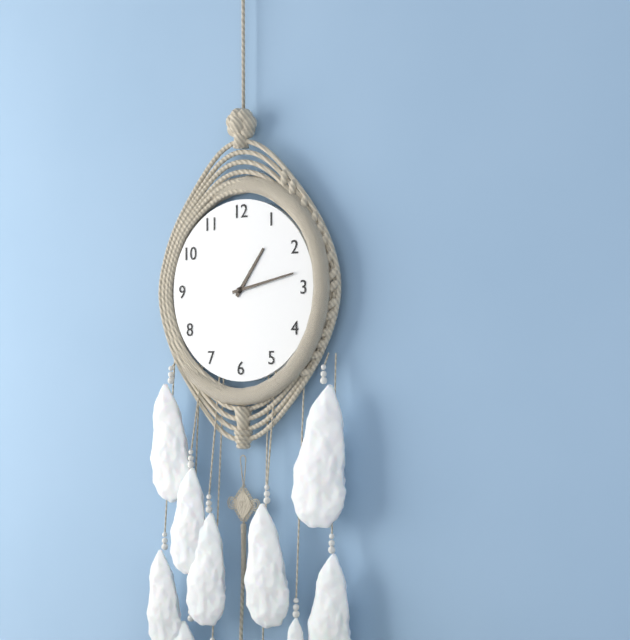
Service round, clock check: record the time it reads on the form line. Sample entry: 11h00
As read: 1h13
